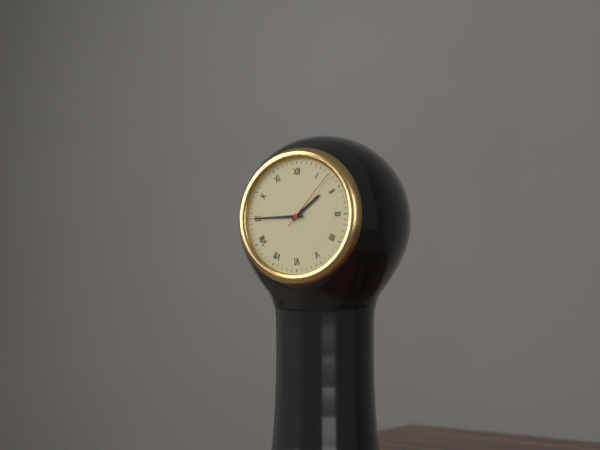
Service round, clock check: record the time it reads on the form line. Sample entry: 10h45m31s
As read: 1h45m07s
